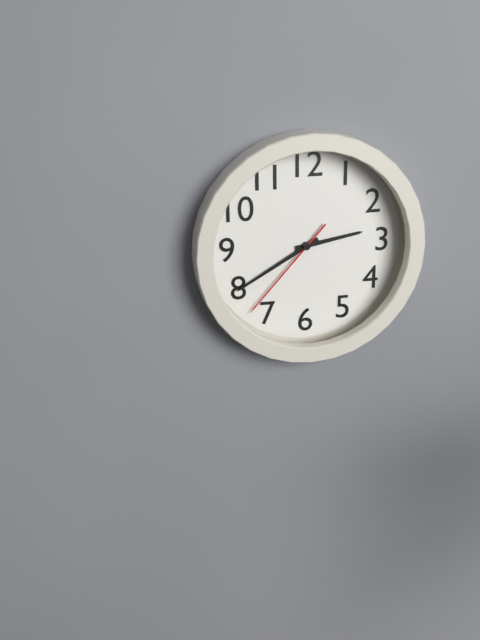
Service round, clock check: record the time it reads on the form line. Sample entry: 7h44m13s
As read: 2h40m37s
